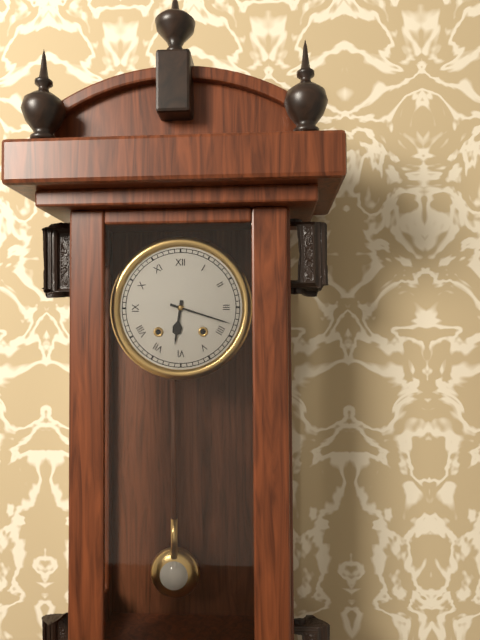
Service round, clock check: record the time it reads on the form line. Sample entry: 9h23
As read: 6h18
